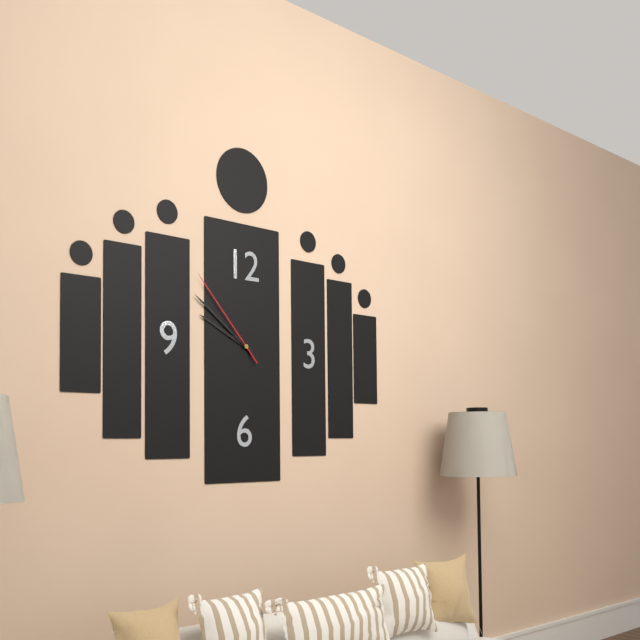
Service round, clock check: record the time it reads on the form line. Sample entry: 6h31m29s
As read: 9h51m53s
